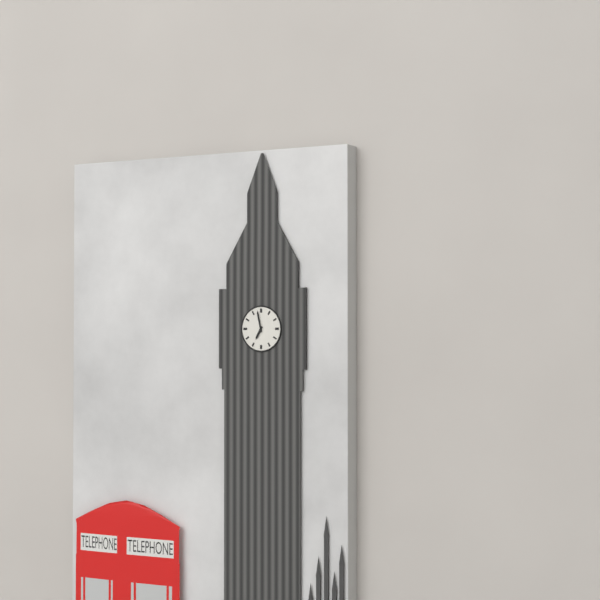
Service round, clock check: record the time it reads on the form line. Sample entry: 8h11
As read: 6h58
